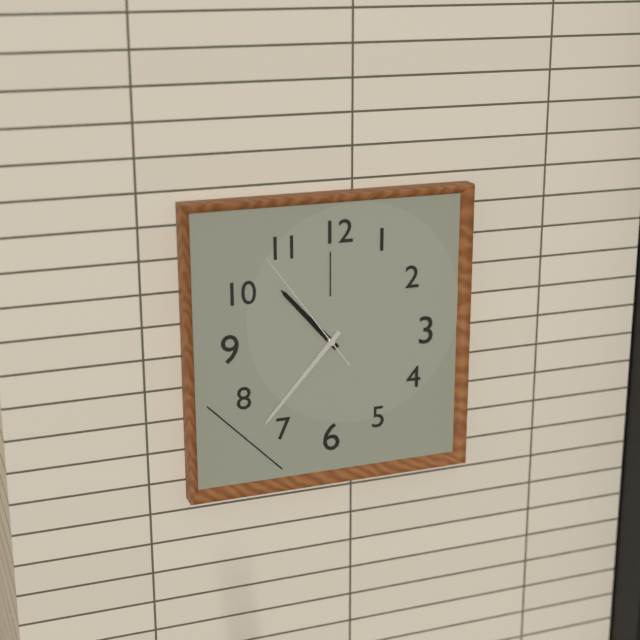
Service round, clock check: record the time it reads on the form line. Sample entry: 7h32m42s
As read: 10h37m54s
